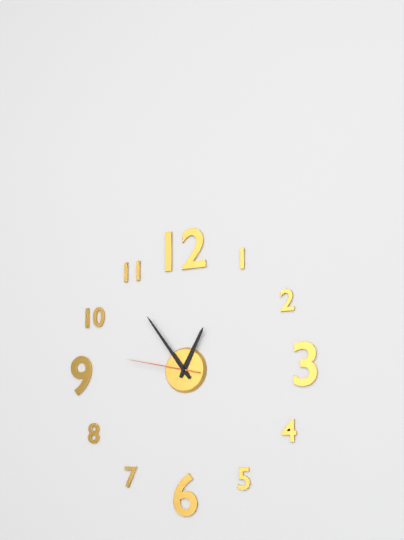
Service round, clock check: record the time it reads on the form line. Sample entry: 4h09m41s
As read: 12h54m47s
